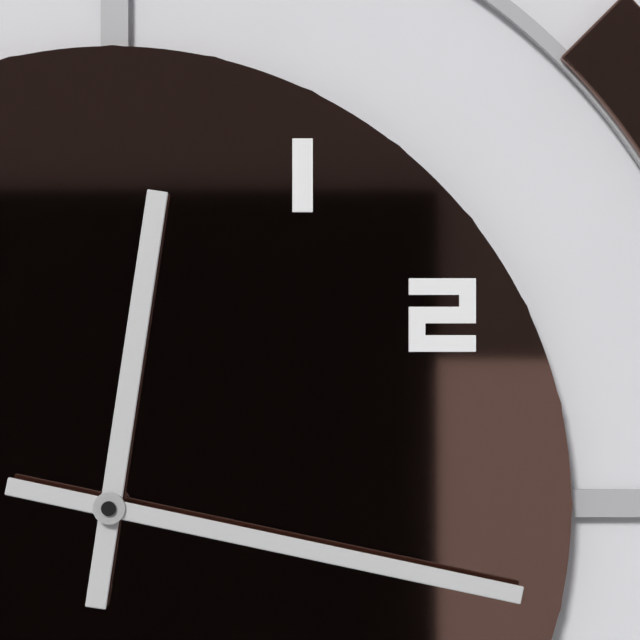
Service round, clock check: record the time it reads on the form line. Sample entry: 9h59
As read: 12h17
